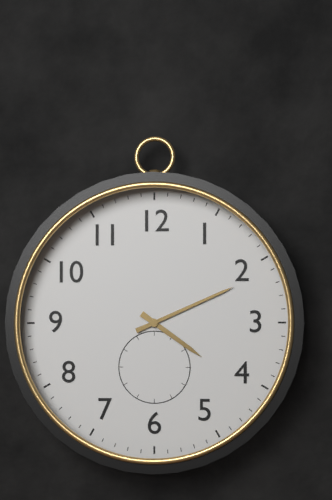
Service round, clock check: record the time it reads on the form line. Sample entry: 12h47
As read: 4h11
